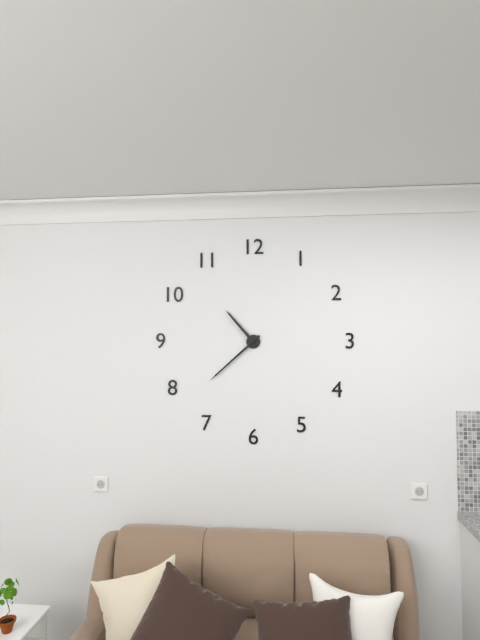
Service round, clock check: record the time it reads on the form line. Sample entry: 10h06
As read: 10h38
